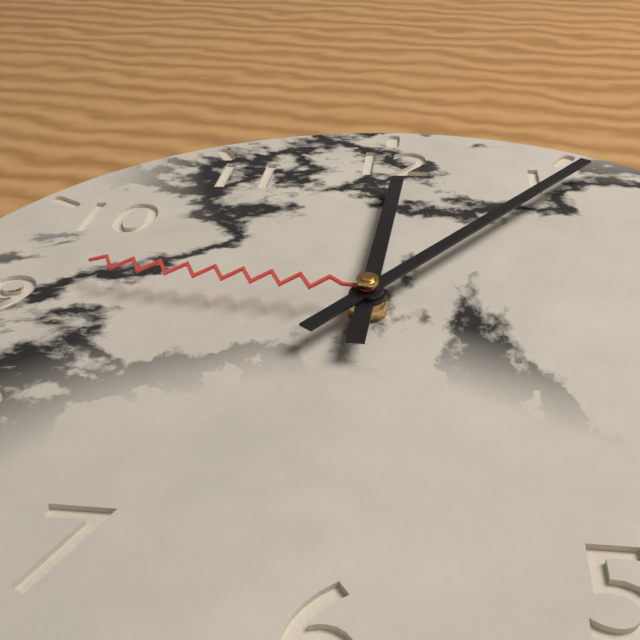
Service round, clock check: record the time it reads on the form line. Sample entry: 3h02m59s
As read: 12h06m46s
